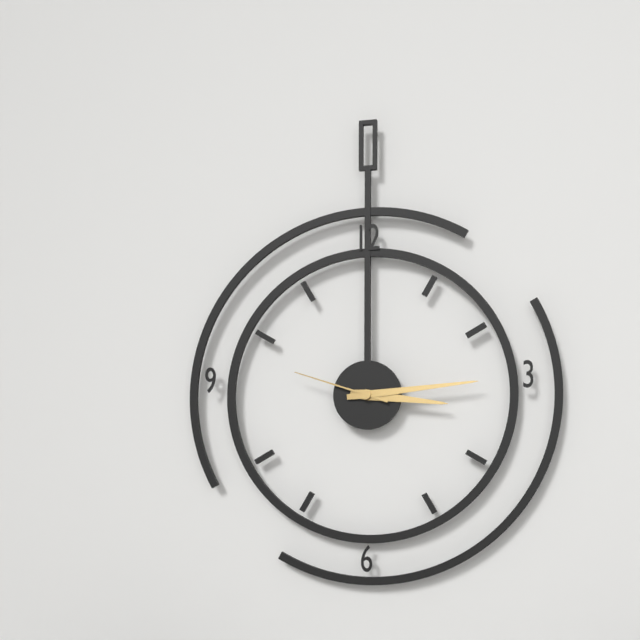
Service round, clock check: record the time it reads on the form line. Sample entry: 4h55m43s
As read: 3h14m48s
